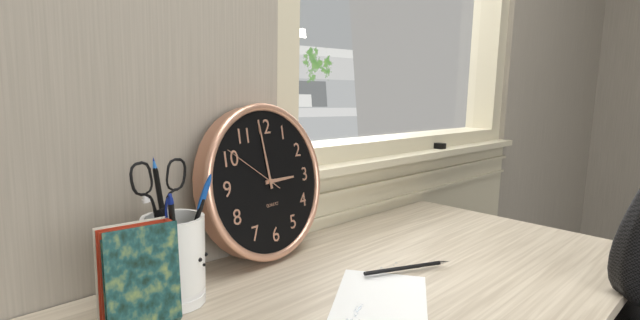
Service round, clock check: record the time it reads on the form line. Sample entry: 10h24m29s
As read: 2h59m51s
